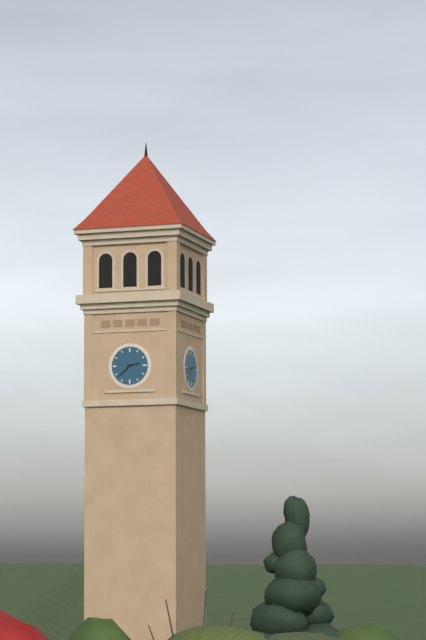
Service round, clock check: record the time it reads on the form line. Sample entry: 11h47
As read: 2h38
